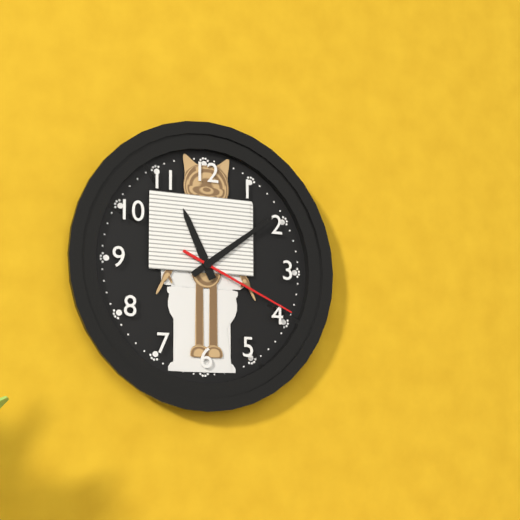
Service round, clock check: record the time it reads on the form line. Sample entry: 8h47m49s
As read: 11h09m19s
